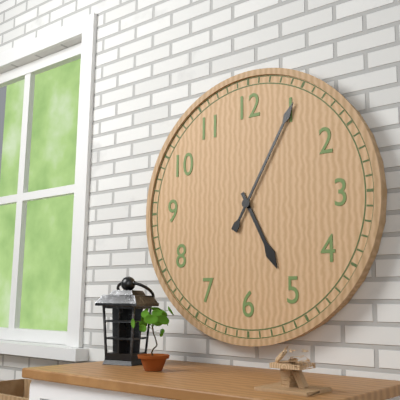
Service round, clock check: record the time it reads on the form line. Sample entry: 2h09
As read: 5h05
